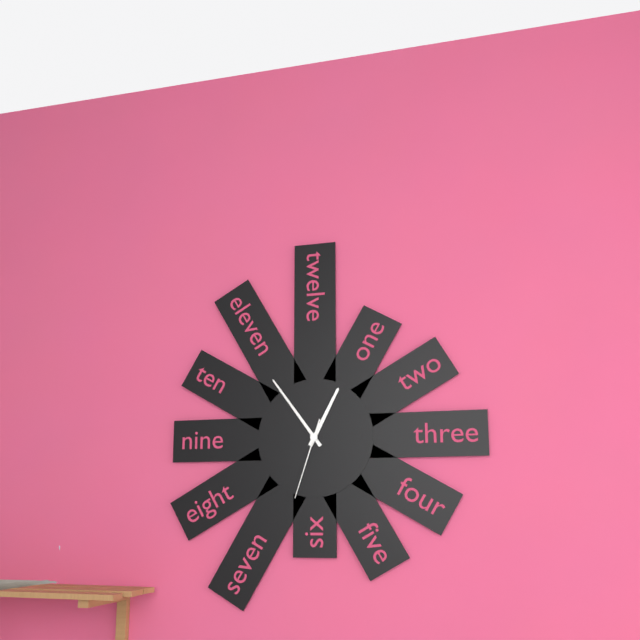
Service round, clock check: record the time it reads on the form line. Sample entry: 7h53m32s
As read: 12h54m33s
